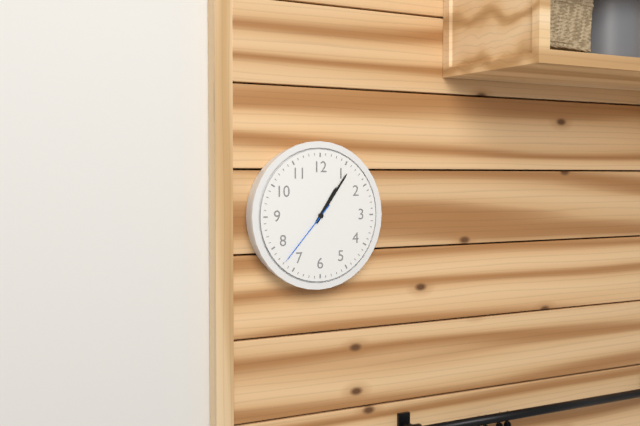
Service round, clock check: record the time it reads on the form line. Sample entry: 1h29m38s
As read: 1h06m37s
